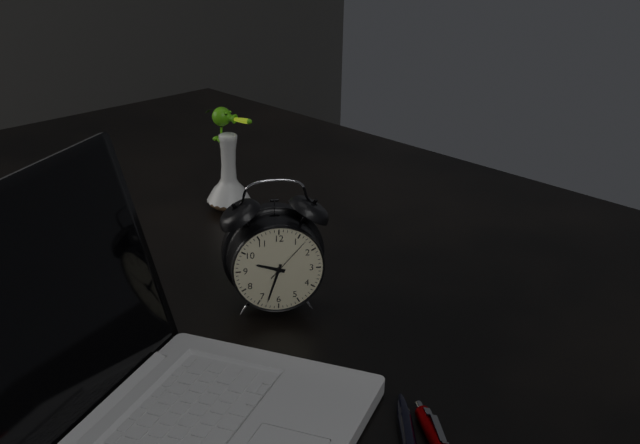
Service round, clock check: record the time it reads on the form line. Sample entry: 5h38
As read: 9h33
